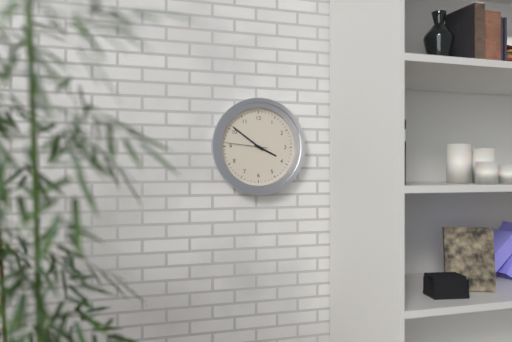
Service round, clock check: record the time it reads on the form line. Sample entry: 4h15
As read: 3h51
